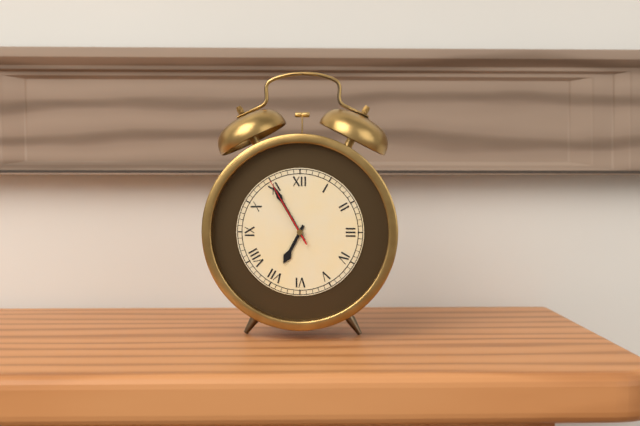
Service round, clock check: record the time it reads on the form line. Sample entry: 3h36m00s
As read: 6h55m55s
